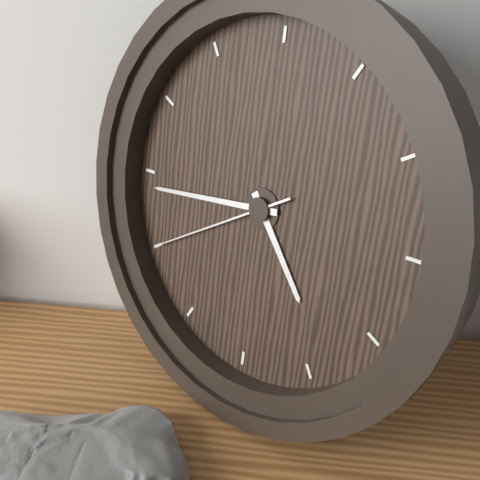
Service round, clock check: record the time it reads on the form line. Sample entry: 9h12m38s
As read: 4h44m40s
